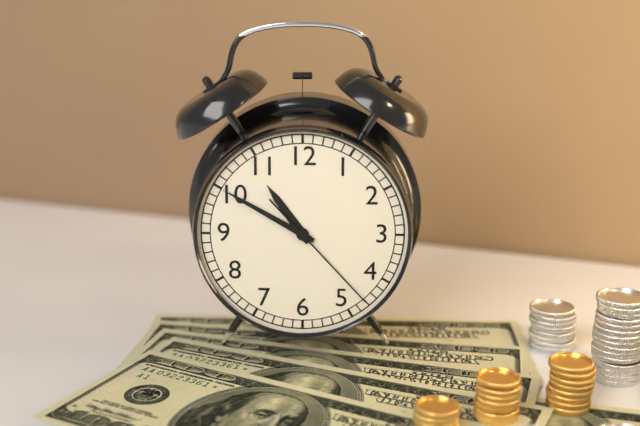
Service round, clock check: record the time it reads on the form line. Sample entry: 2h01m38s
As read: 10h50m23s
